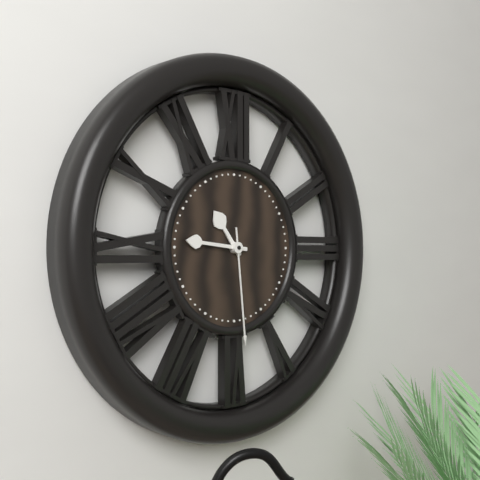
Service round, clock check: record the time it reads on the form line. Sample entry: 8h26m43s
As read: 10h46m29s
